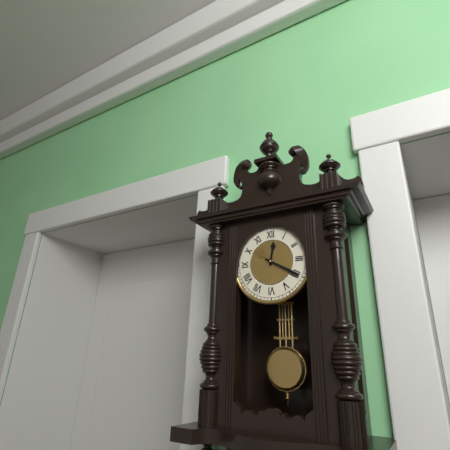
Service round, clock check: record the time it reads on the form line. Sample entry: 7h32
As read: 12h20
